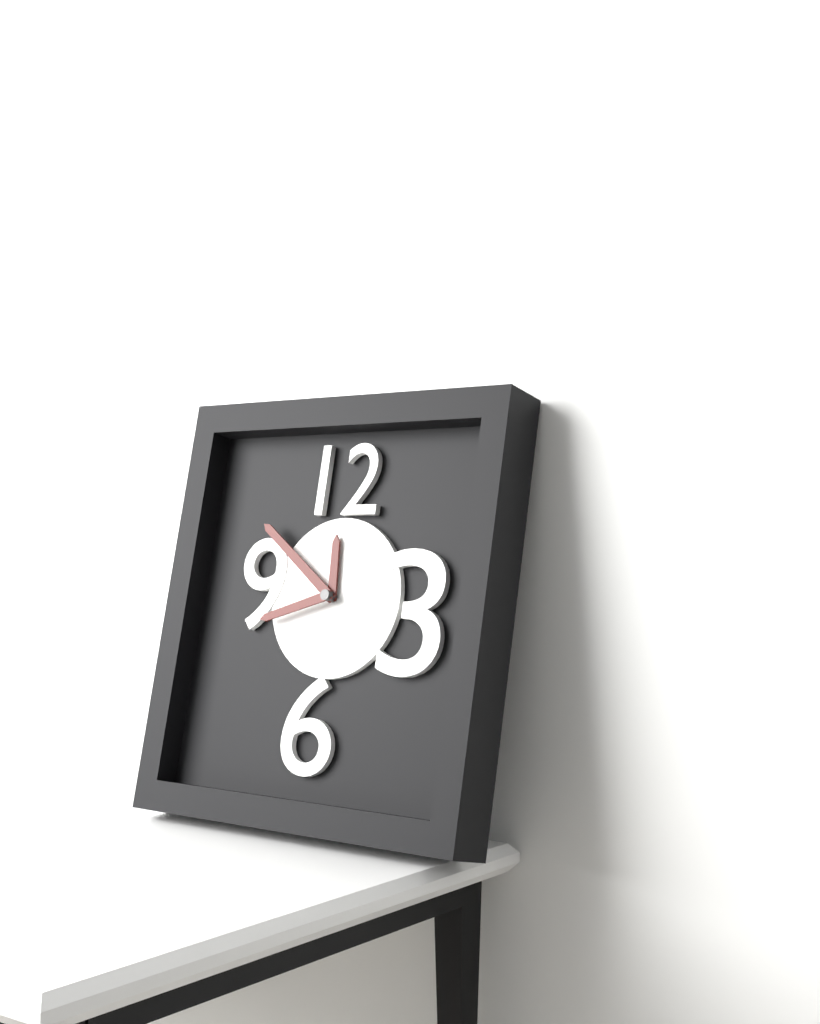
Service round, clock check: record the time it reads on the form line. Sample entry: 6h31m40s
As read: 11h51m42s
